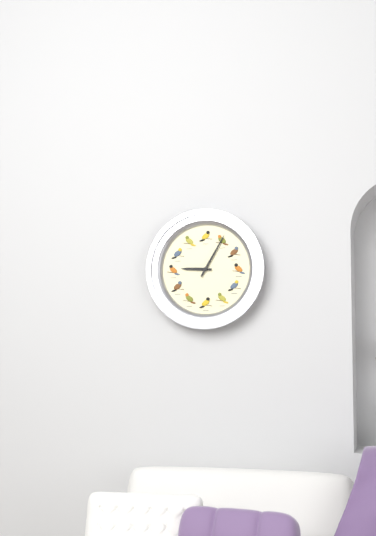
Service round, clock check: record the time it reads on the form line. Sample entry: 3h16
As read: 9h05
